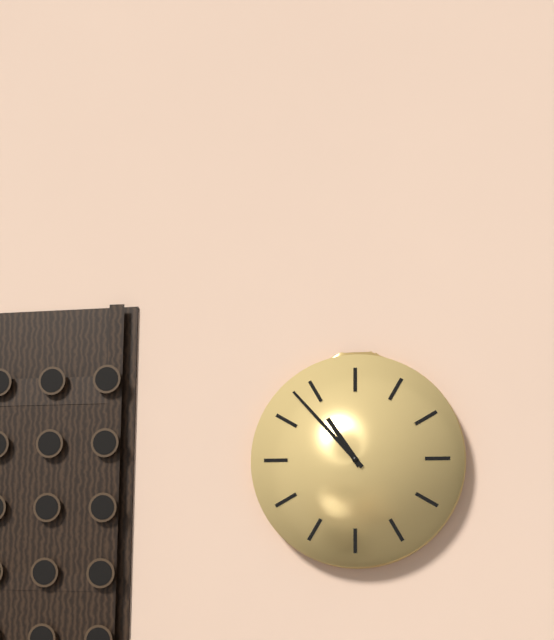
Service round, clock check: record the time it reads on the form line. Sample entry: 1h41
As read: 10h53
